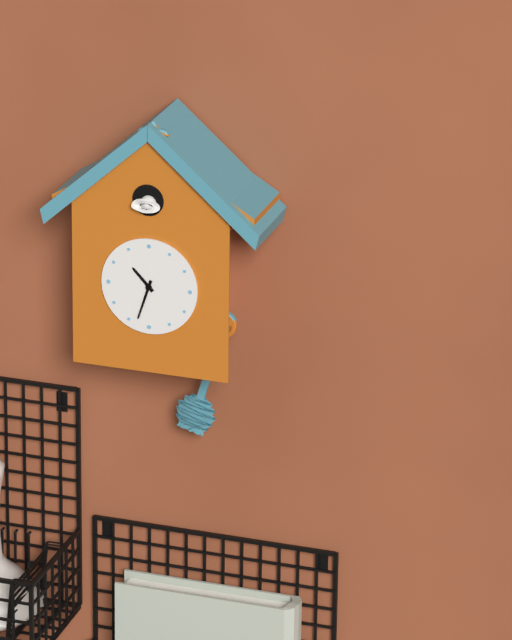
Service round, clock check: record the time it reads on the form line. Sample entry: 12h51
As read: 10h33
